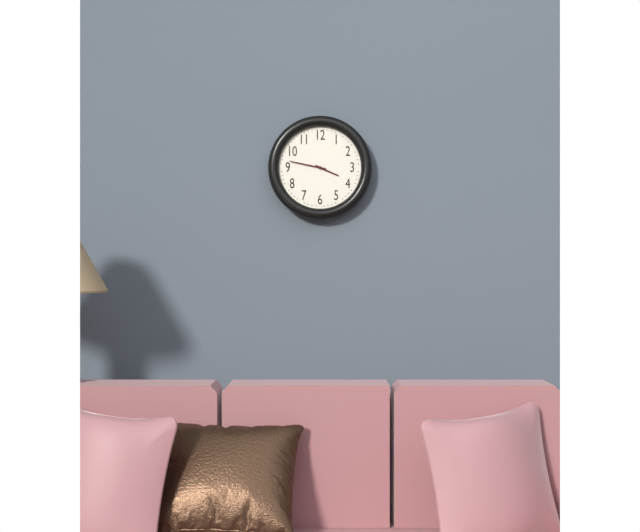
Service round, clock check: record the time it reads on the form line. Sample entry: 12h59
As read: 3h47
